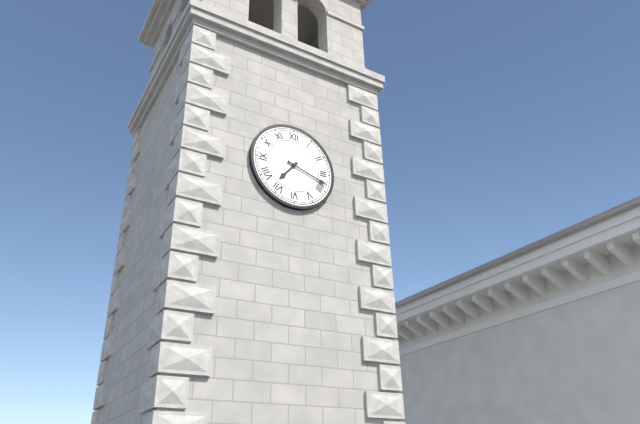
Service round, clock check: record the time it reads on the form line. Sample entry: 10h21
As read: 7h18
